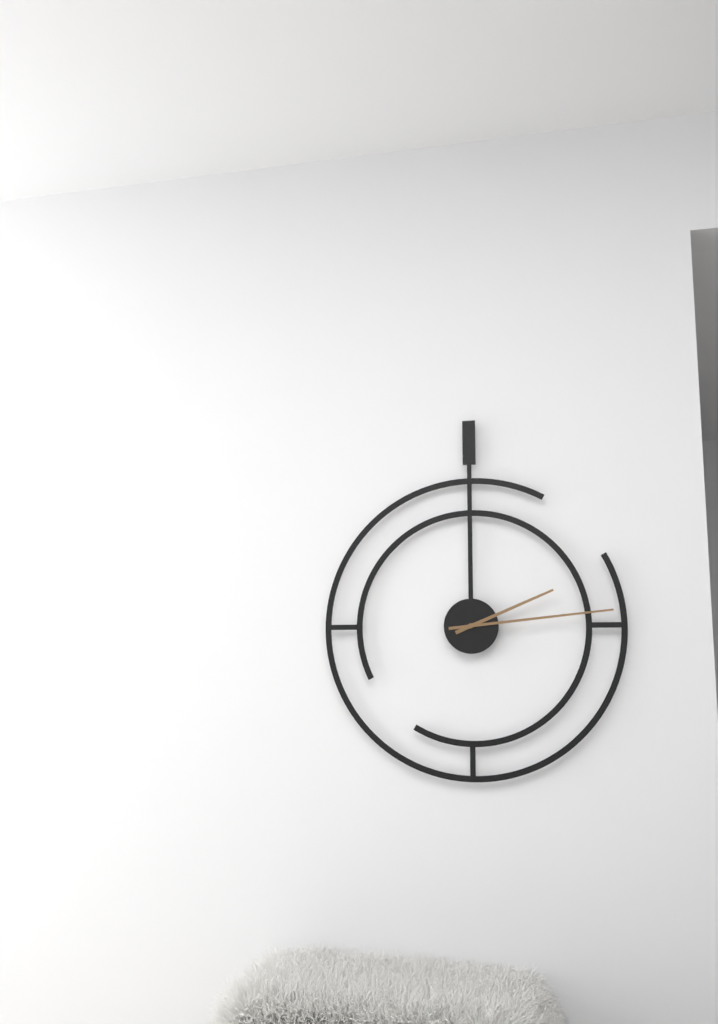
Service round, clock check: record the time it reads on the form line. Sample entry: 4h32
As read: 2h14
